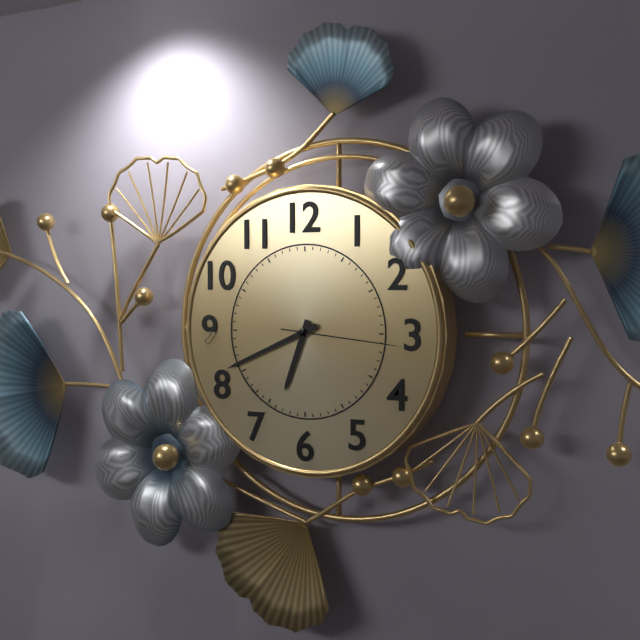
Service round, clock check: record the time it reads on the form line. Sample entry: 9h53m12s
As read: 6h41m16s
